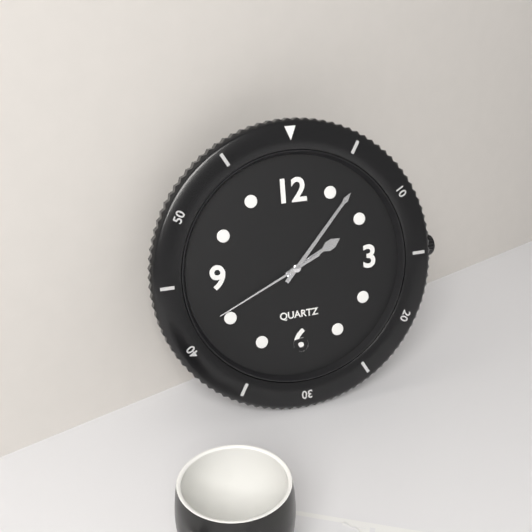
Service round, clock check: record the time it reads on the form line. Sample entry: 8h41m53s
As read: 2h07m41s
